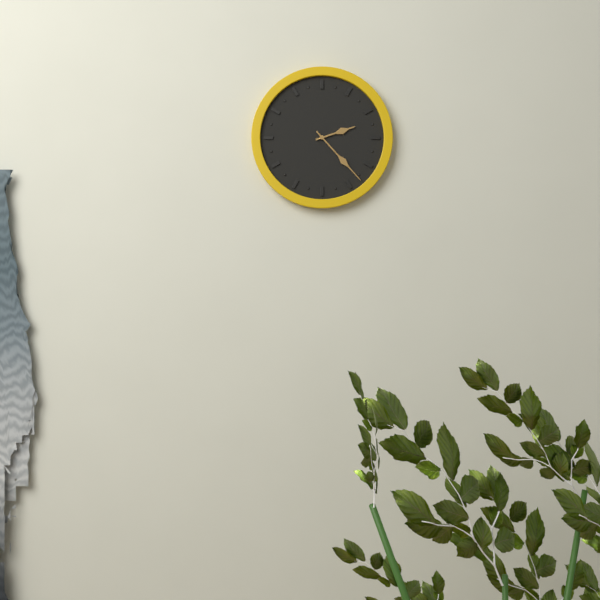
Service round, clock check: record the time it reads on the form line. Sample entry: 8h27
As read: 2h23
